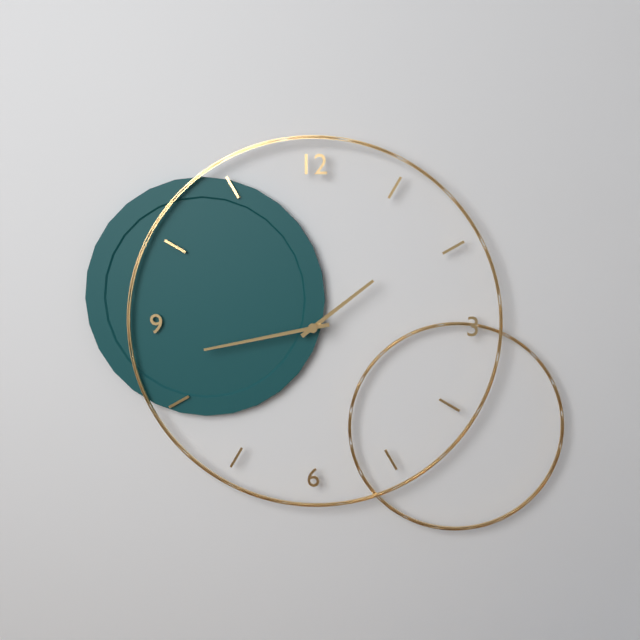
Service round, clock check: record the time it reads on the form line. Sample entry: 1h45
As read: 1h43
